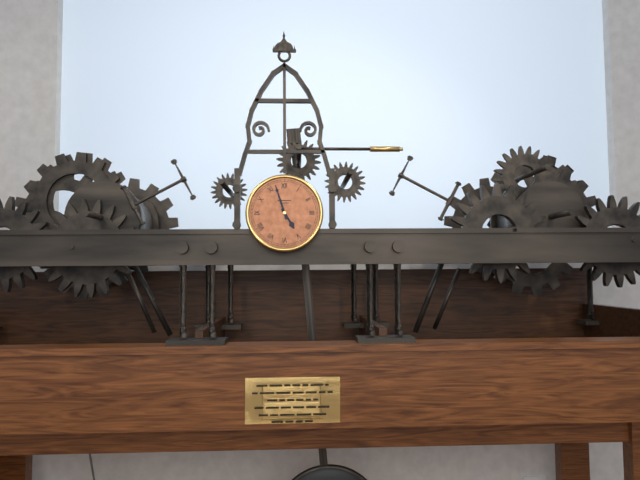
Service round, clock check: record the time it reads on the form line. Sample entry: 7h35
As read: 4h57
